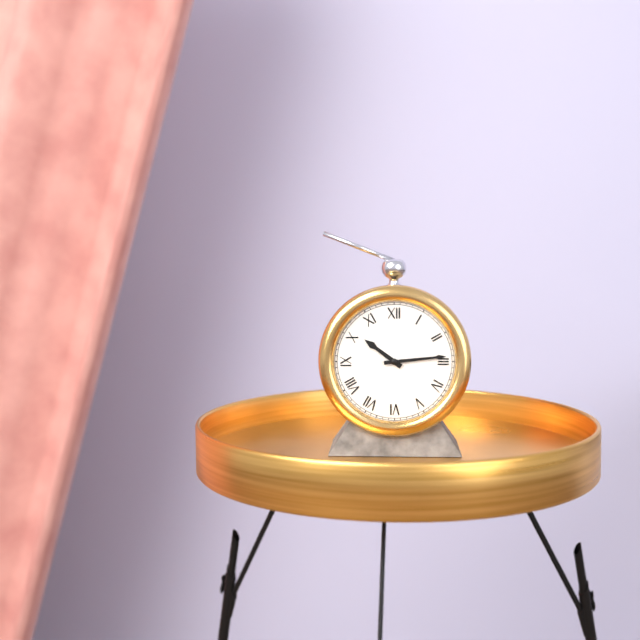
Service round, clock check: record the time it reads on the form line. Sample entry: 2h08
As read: 10h14
